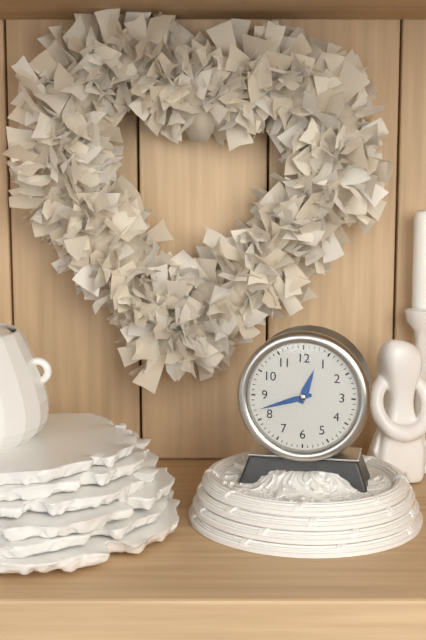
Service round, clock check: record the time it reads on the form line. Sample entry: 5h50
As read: 12h42
